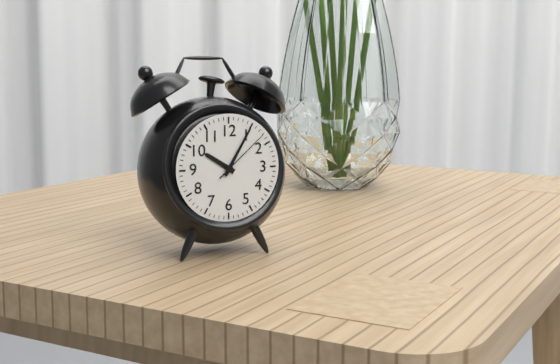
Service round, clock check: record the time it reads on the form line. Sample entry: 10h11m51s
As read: 10h05m08s
